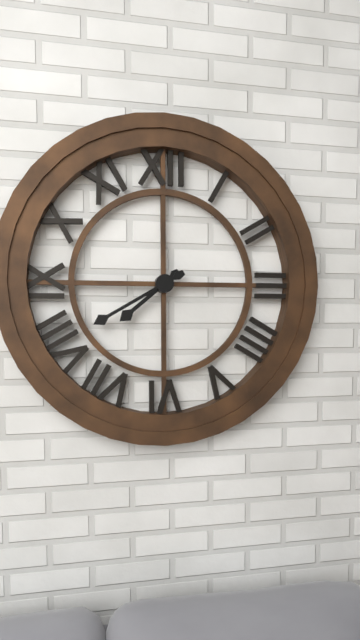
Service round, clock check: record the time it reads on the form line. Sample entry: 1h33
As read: 7h40
